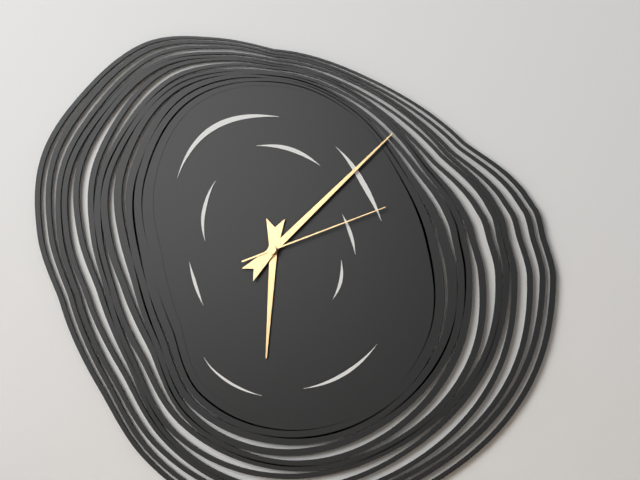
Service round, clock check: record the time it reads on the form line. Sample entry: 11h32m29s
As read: 6h08m12s
